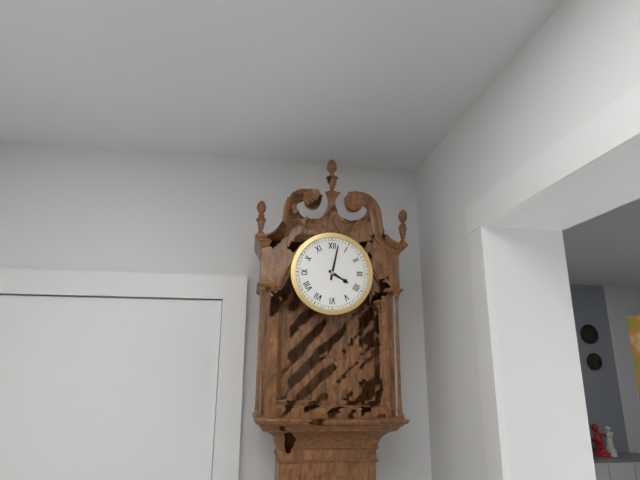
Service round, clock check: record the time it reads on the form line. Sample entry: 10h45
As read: 4h02
